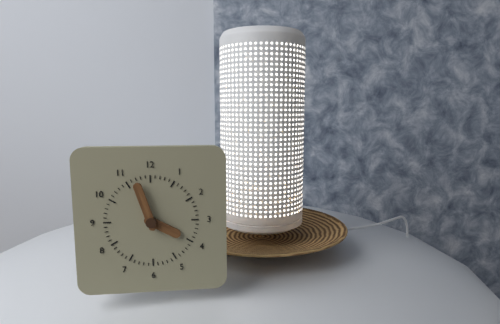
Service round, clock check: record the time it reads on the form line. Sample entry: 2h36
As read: 3h57
